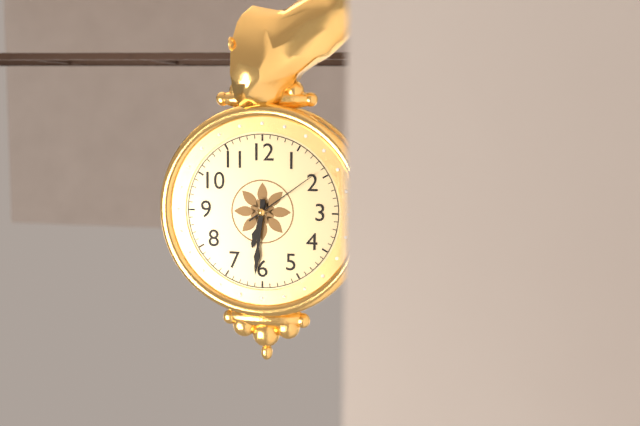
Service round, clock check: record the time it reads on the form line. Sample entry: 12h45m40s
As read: 6h31m09s
